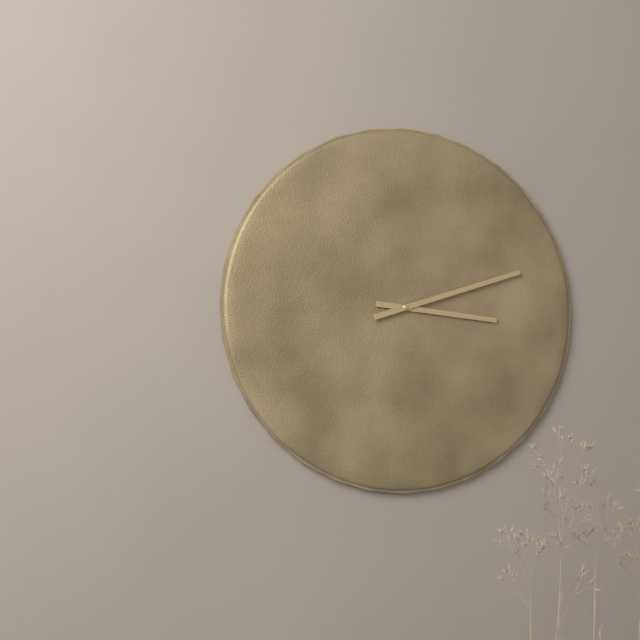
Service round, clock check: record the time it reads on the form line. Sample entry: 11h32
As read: 3h12
